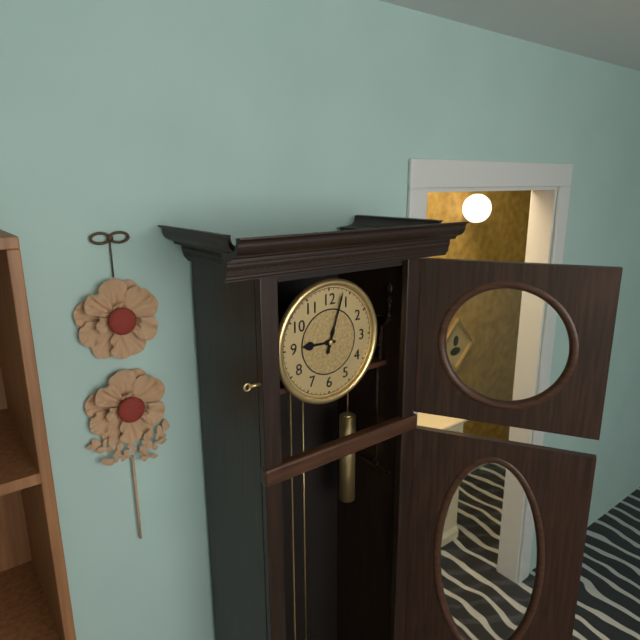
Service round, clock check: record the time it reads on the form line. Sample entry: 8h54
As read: 9h03
